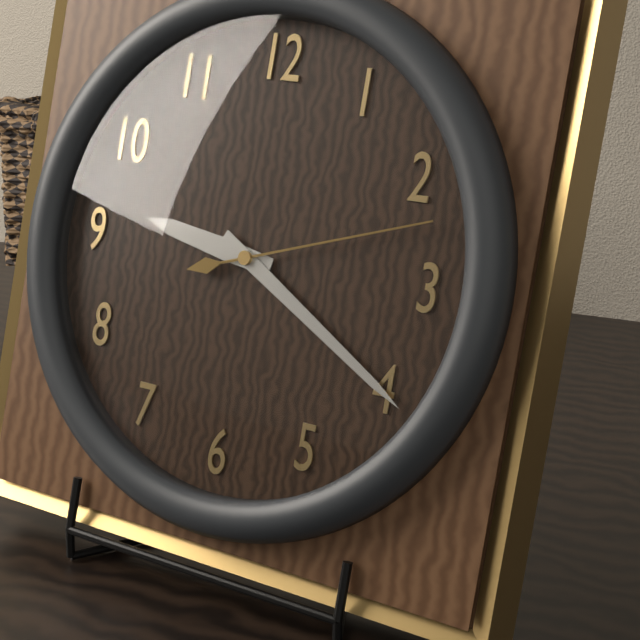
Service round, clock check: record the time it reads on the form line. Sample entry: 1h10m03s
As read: 9h20m12s
